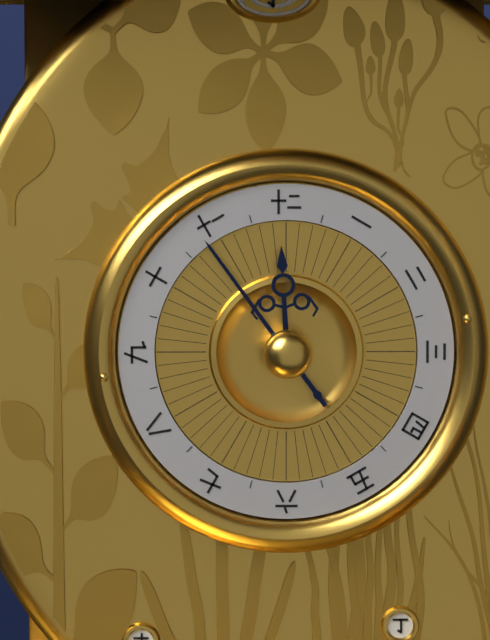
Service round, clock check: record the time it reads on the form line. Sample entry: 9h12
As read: 11h54
